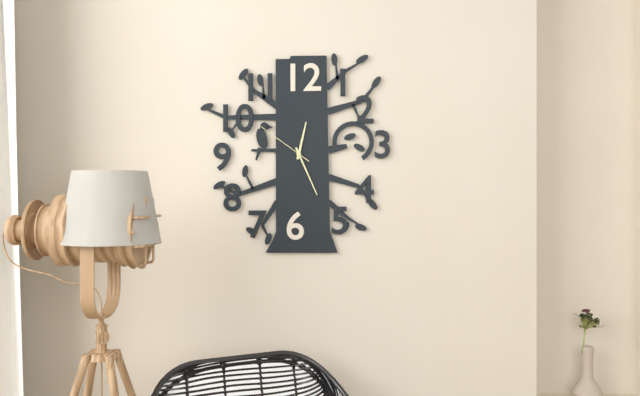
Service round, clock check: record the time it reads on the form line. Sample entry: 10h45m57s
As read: 12h26m51s
